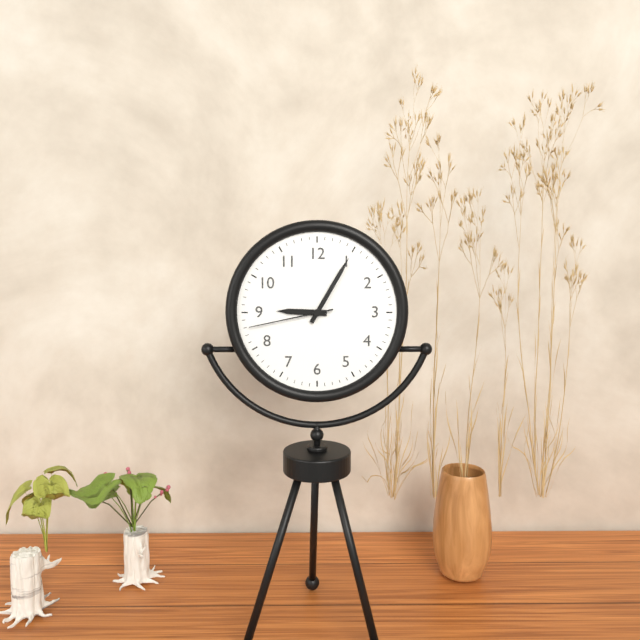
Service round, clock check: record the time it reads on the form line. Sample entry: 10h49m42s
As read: 9h05m43s
